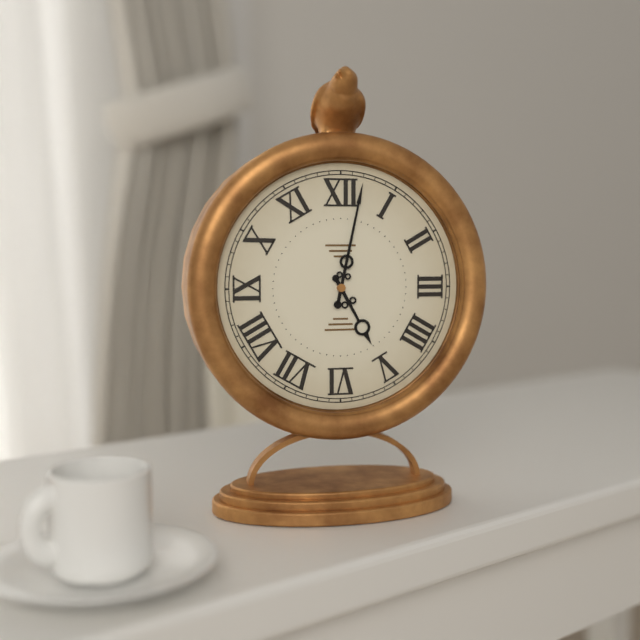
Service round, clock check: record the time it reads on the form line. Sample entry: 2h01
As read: 5h02
